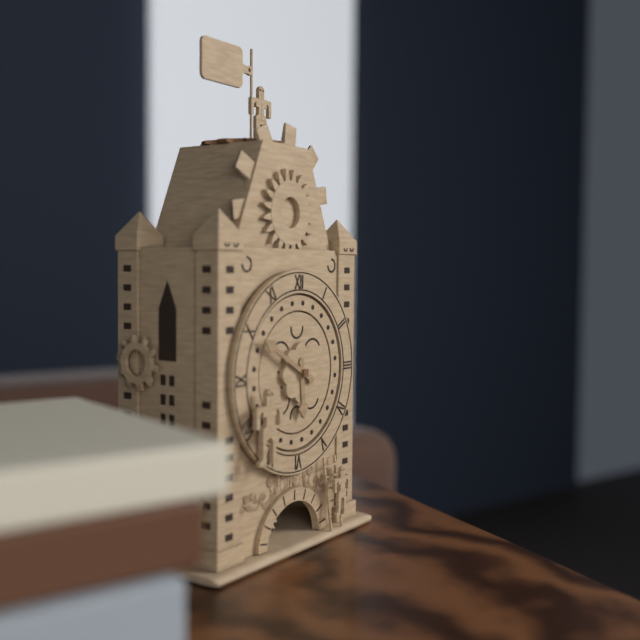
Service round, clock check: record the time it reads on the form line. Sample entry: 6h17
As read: 5h50
